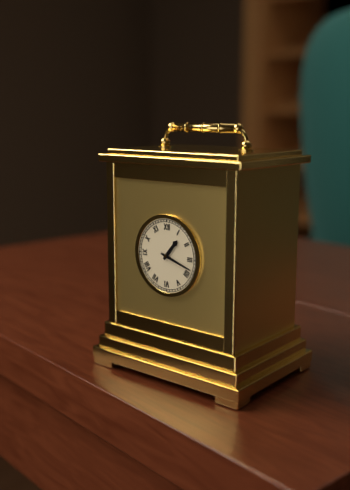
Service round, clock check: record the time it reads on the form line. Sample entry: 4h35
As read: 1h18
